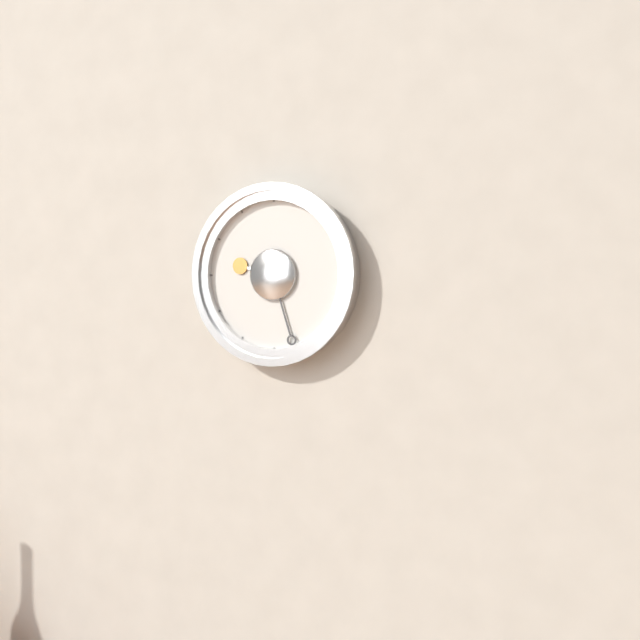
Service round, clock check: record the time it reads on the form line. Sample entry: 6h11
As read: 9h27
